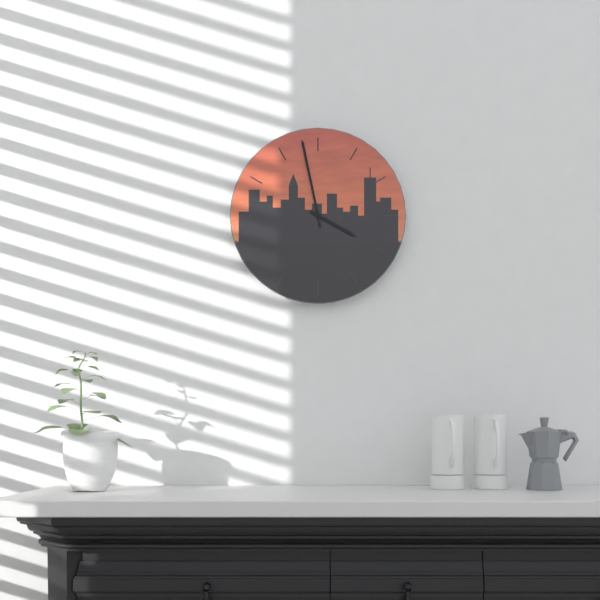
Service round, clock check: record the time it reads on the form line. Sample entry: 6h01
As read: 3h58
